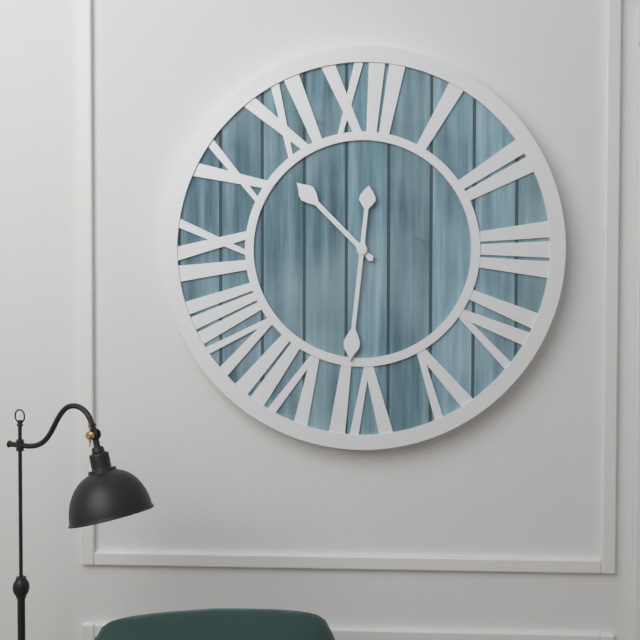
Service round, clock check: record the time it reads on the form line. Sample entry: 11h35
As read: 10h31
